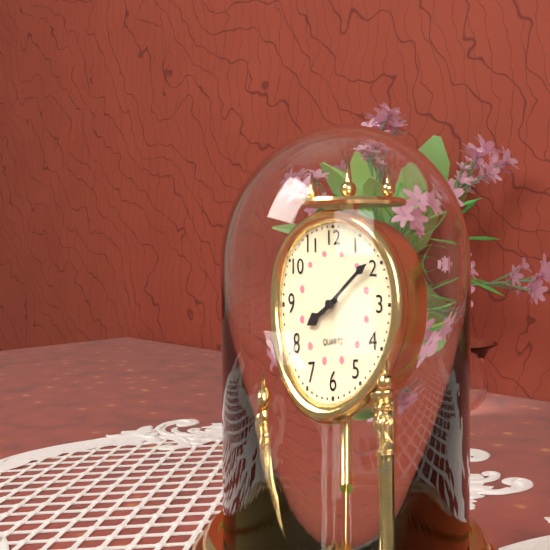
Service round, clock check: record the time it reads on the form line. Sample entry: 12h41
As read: 8h09
